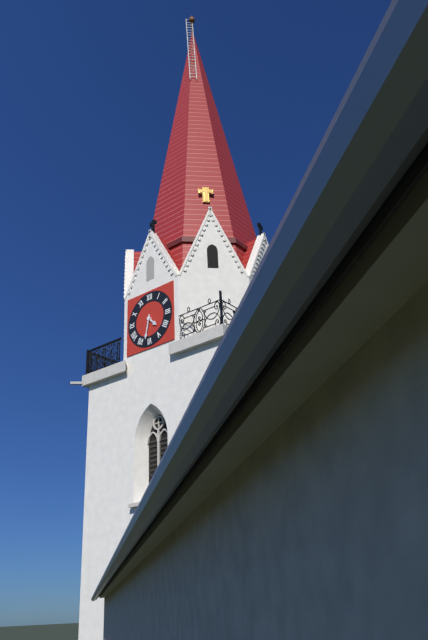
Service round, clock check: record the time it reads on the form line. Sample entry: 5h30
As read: 4h32
